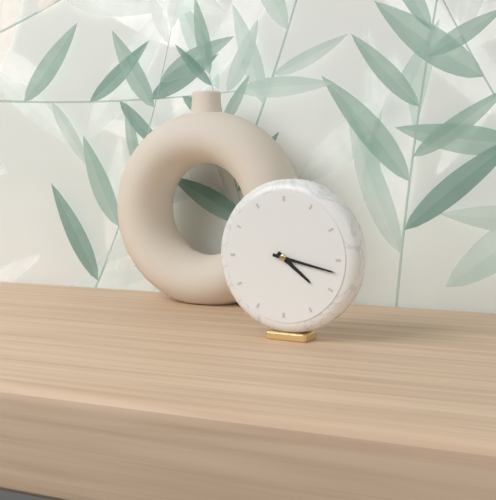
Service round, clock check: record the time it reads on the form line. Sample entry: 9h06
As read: 4h17
